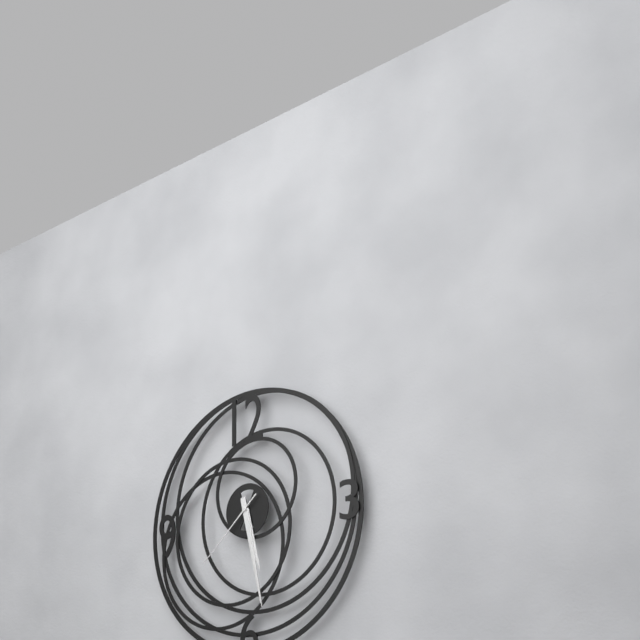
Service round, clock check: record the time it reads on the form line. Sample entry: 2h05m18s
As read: 5h28m38s
